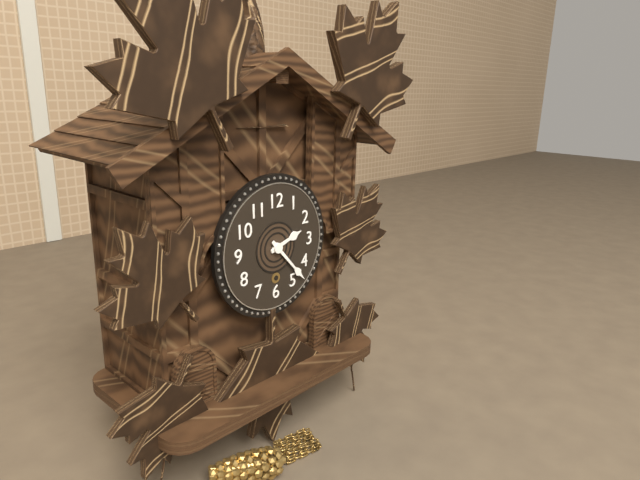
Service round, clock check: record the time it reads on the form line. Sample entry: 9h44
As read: 2h23
